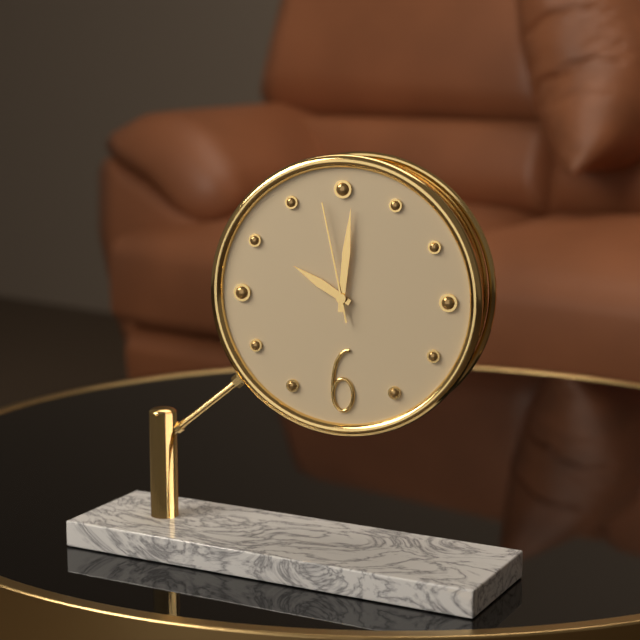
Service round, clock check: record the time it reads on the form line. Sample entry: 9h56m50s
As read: 10h01m58s
